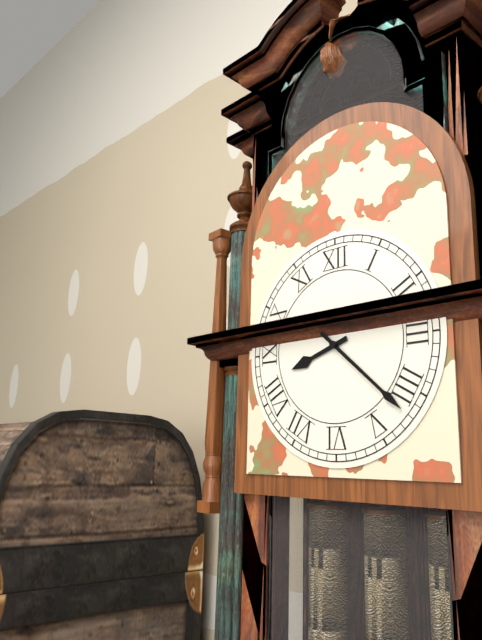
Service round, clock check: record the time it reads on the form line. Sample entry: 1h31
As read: 8h22
